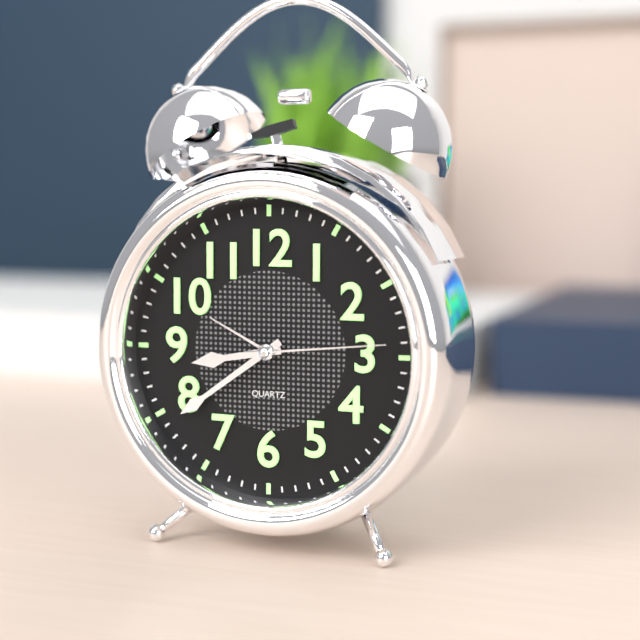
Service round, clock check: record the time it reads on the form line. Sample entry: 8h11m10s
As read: 8h39m14s
